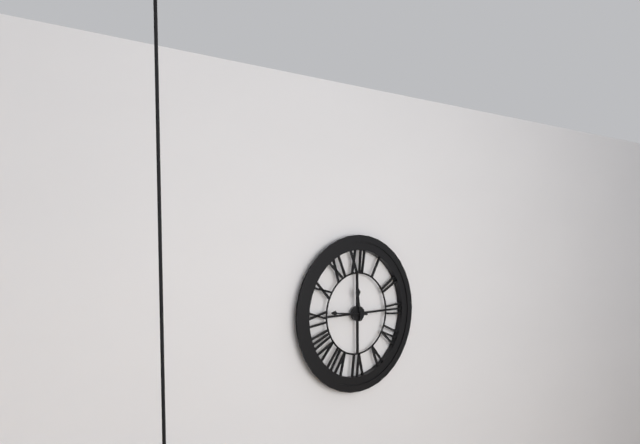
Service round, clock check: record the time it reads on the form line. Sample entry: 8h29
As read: 11h46
